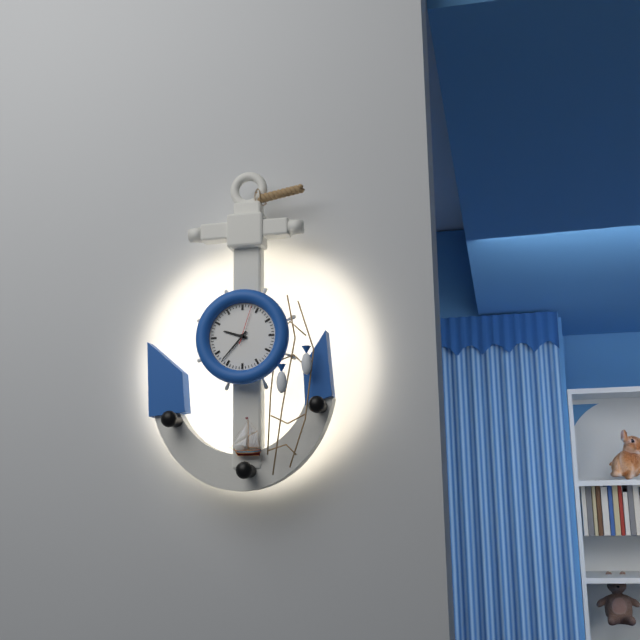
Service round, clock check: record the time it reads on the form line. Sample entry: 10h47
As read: 9h37
